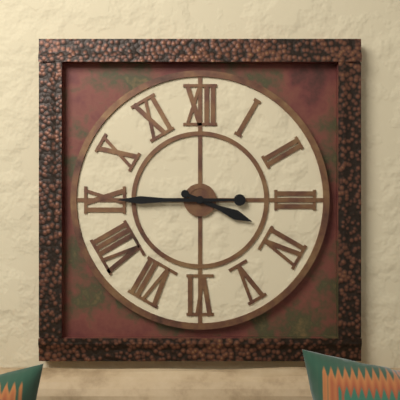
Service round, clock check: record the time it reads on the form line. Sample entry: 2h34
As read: 3h45
